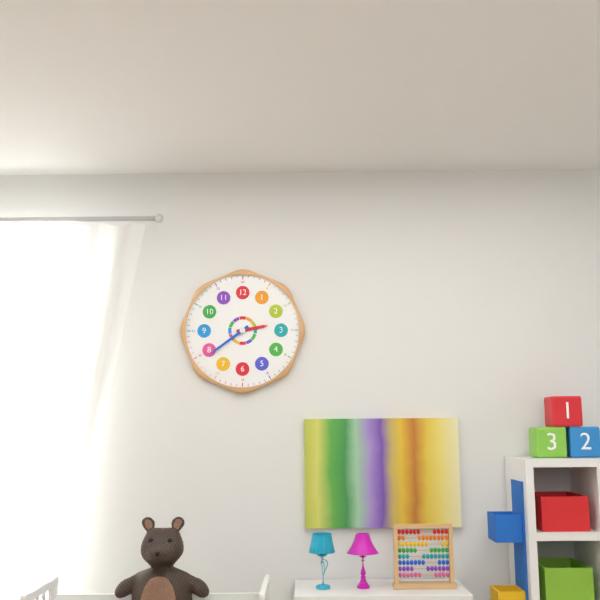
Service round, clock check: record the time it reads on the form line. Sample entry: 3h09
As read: 2h39
